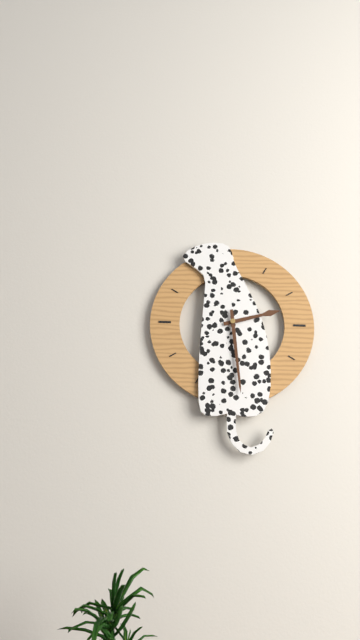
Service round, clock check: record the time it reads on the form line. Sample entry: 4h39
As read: 2h29
